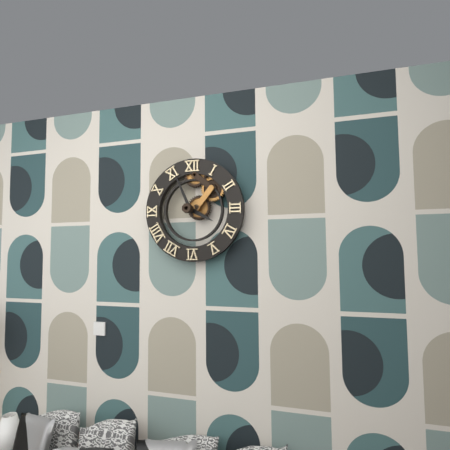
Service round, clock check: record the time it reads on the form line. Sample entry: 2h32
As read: 3h56
